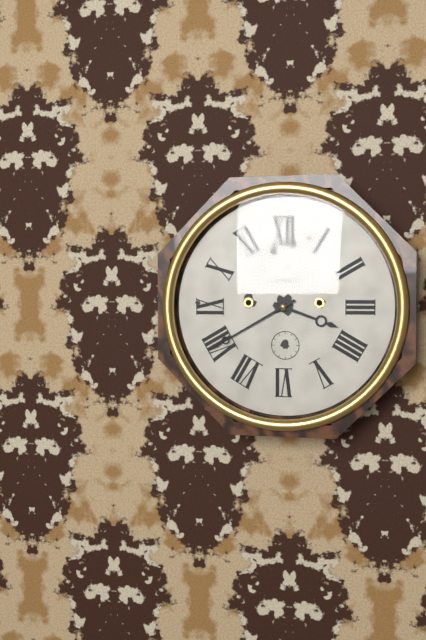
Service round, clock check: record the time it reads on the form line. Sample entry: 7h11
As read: 3h40
